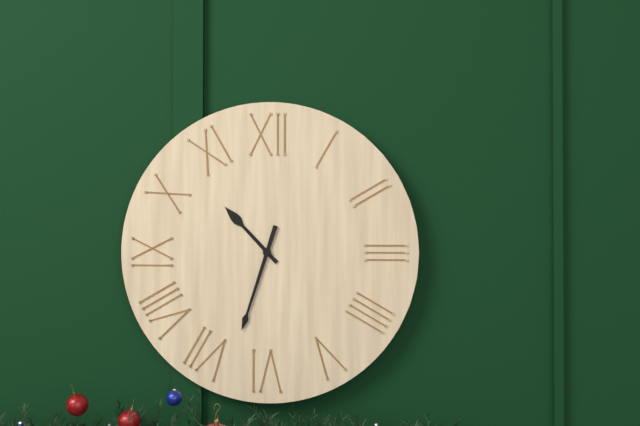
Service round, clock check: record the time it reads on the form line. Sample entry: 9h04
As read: 10h33
